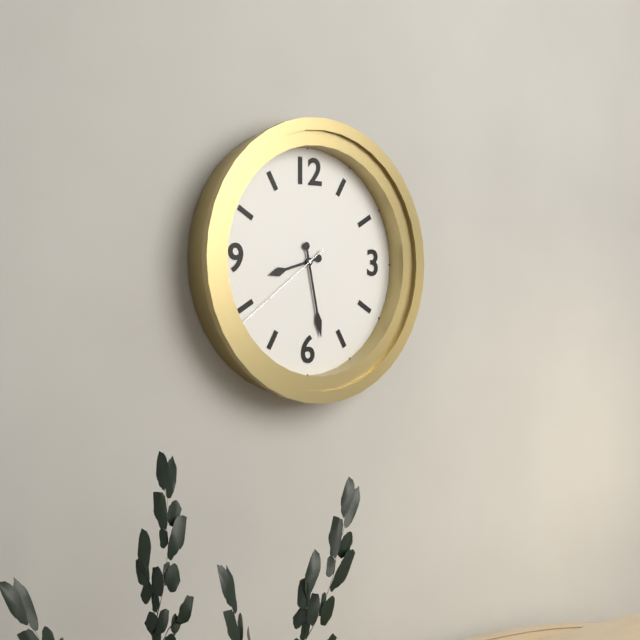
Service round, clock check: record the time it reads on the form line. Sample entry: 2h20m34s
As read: 8h28m39s
